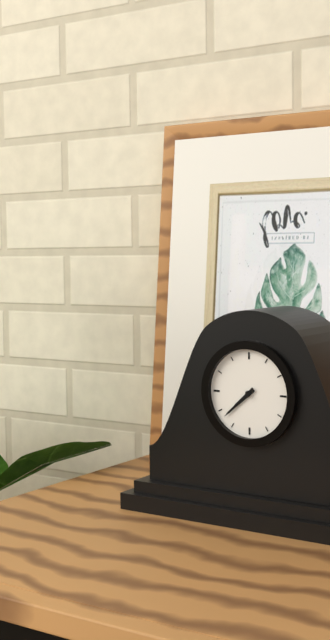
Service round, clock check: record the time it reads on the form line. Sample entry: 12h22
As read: 7h38
